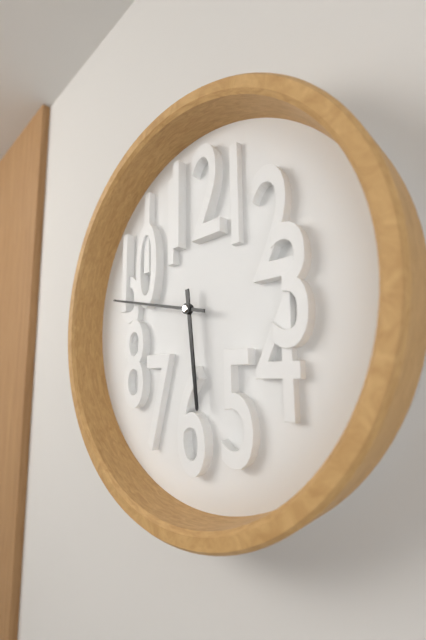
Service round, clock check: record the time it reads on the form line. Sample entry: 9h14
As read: 5h47
